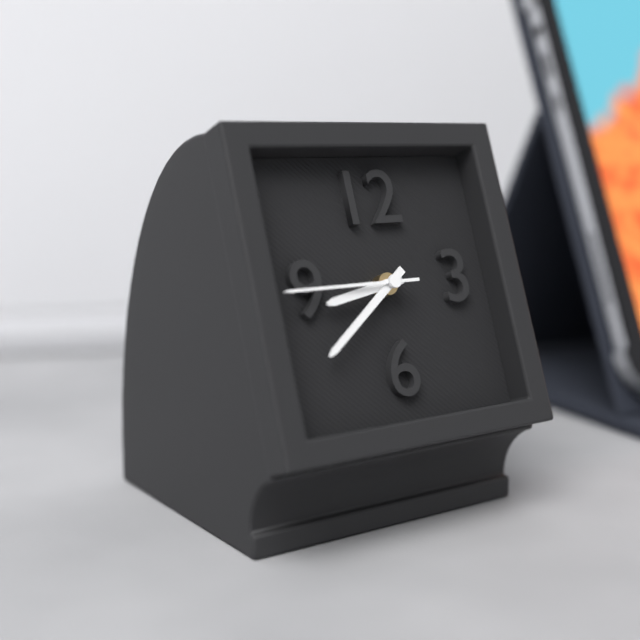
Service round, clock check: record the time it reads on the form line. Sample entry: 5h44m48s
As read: 8h39m45s
